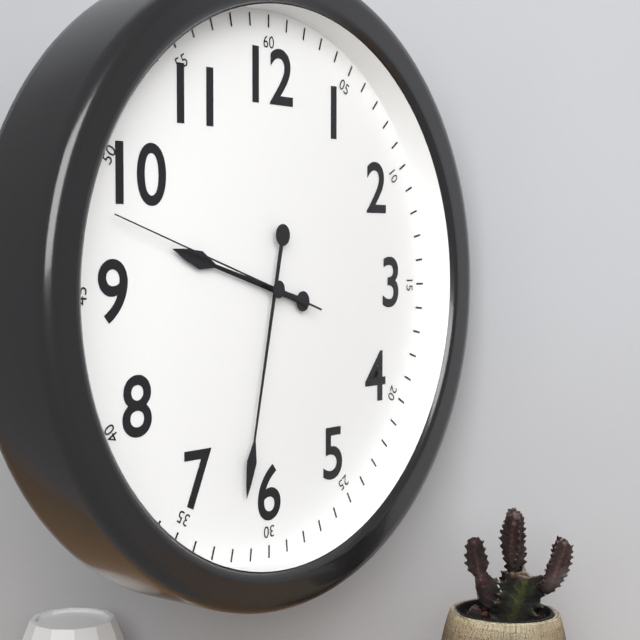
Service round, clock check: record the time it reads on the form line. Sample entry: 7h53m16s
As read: 9h32m48s
